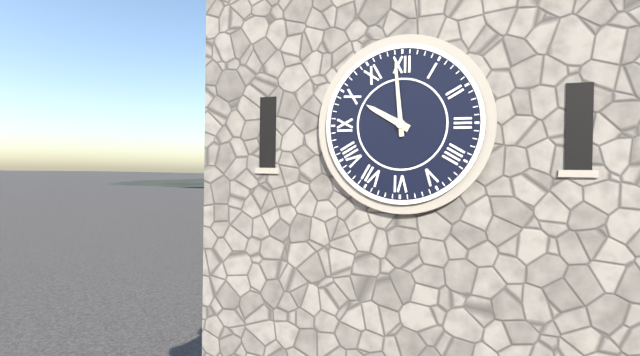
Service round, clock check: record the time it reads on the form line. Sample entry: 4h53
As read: 9h59
